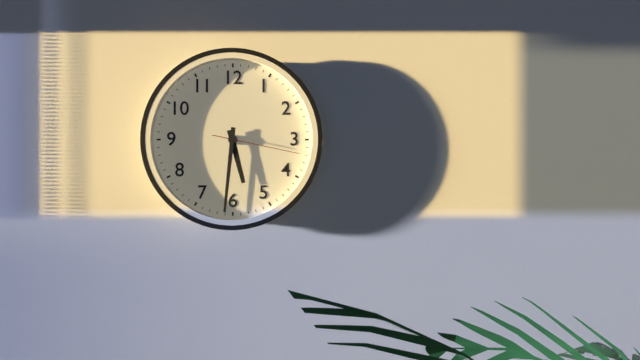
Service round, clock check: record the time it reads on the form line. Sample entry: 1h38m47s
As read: 5h31m17s
